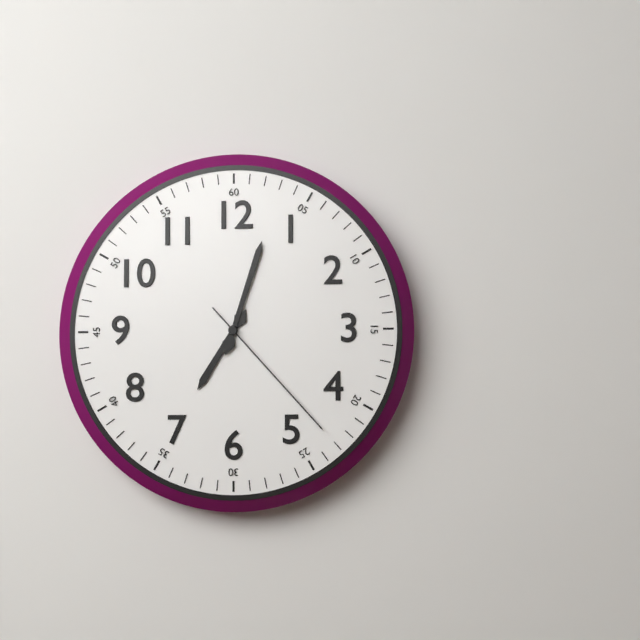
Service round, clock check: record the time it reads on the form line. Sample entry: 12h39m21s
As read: 7h03m23s
